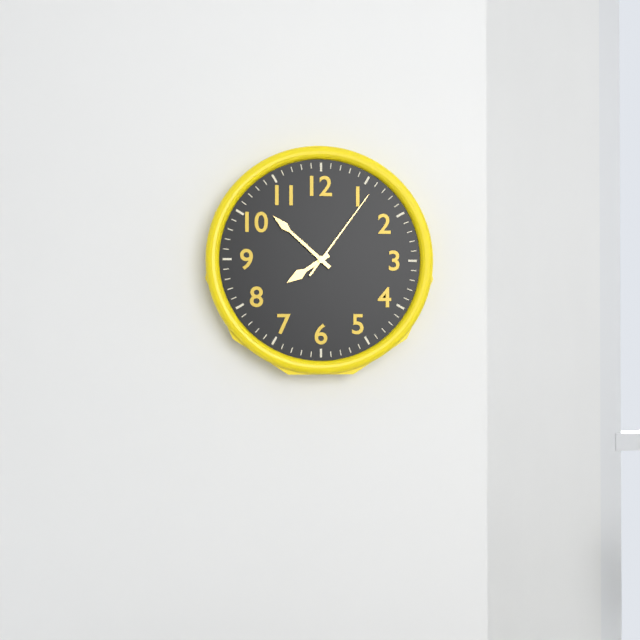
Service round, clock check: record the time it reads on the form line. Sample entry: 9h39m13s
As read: 7h52m06s
